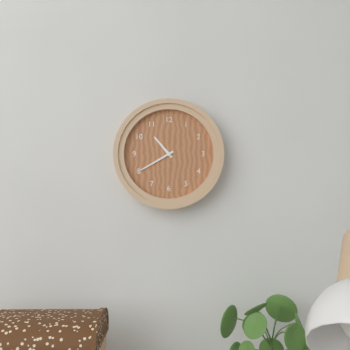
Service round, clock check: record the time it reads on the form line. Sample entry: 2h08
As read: 10h40
